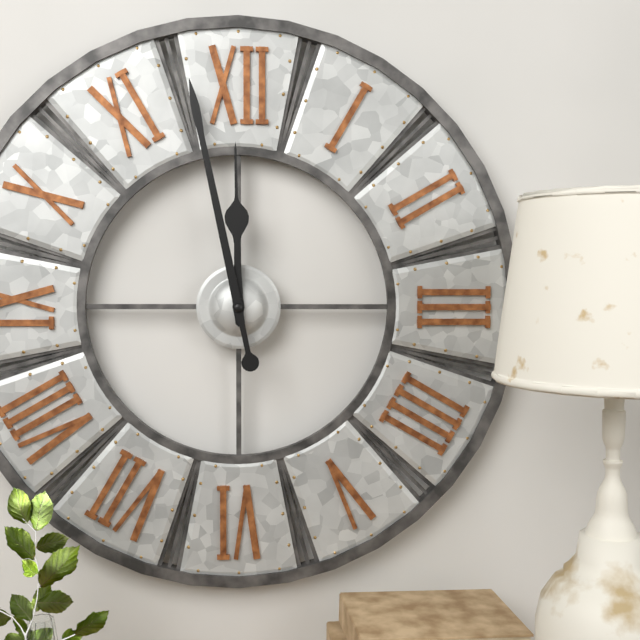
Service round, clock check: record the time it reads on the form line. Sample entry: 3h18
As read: 11h58
